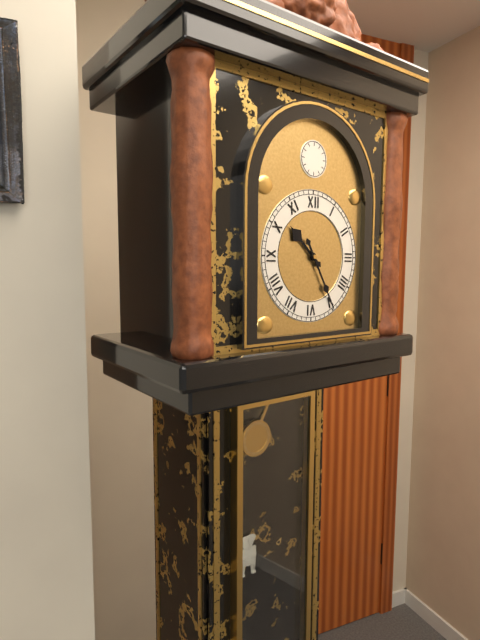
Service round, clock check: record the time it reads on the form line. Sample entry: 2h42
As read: 10h25
